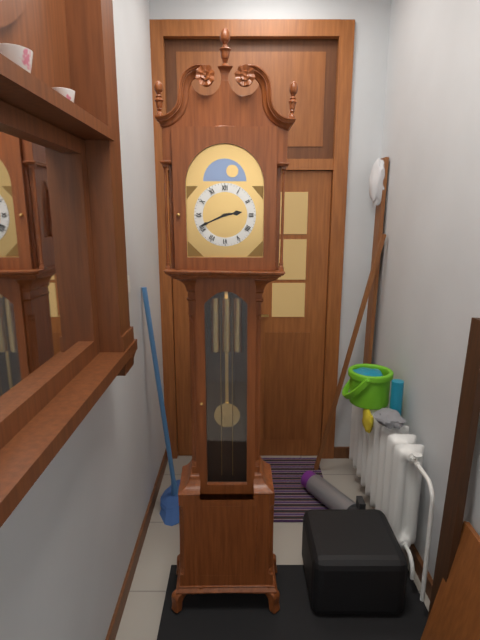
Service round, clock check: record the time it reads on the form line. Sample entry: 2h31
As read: 2h41
